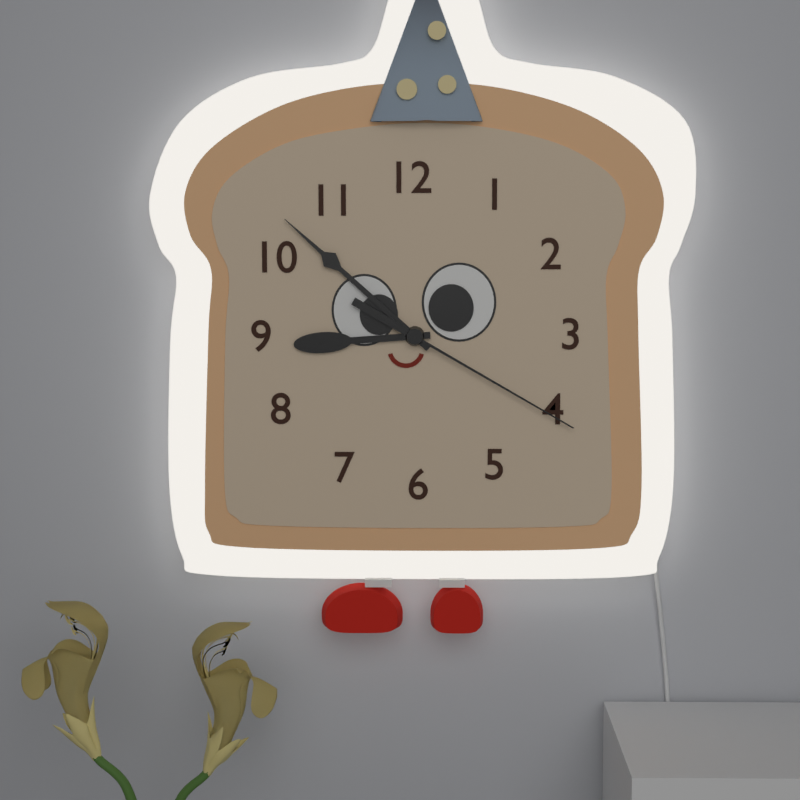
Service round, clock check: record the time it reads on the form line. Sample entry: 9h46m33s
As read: 8h52m20s
